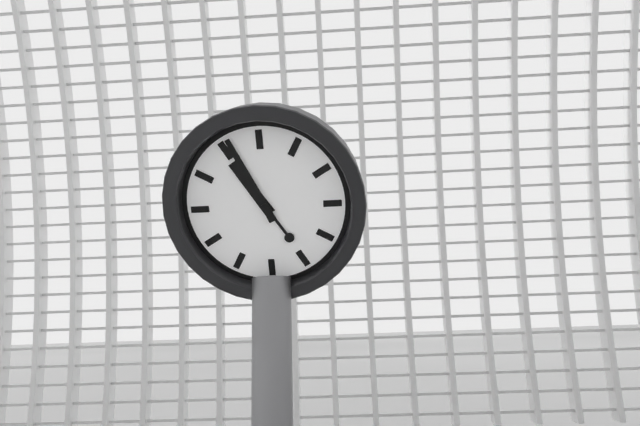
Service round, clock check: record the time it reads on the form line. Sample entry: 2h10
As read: 10h56
